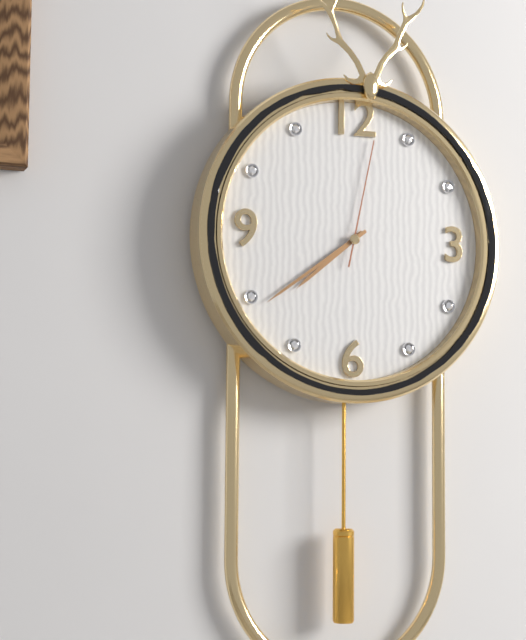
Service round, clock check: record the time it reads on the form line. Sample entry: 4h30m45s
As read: 7h39m02s
